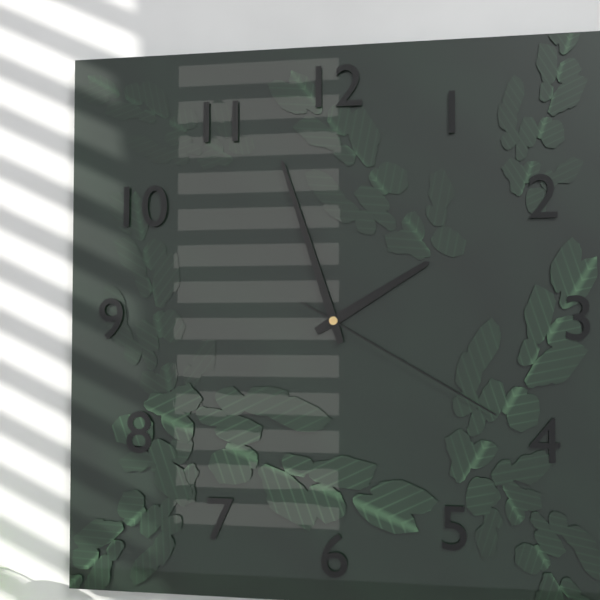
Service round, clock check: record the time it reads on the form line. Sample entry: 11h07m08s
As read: 1h57m20s
